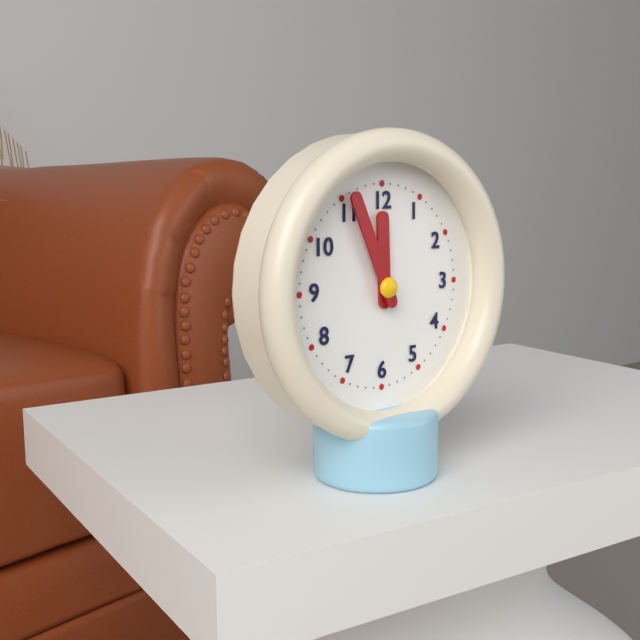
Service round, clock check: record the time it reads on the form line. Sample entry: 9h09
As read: 11h56
